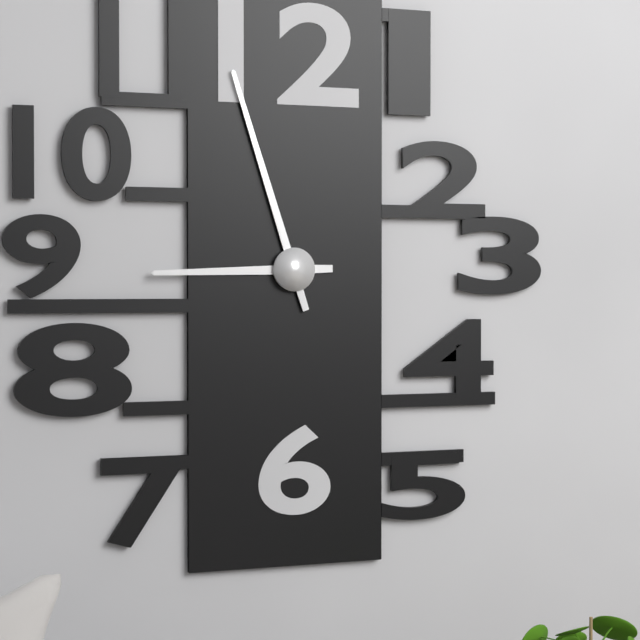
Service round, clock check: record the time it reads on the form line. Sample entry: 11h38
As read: 8h57
